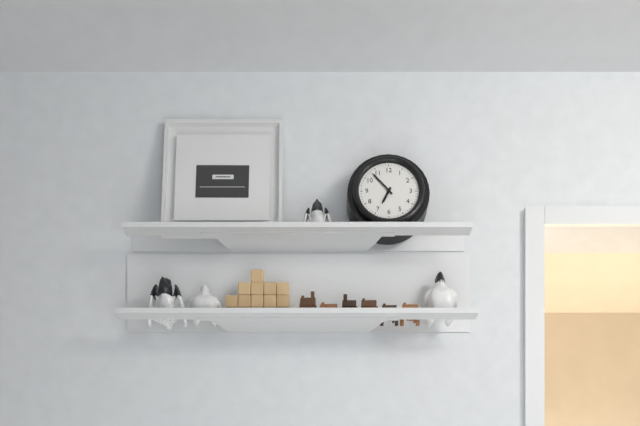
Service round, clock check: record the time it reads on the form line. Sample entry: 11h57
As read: 6h53
